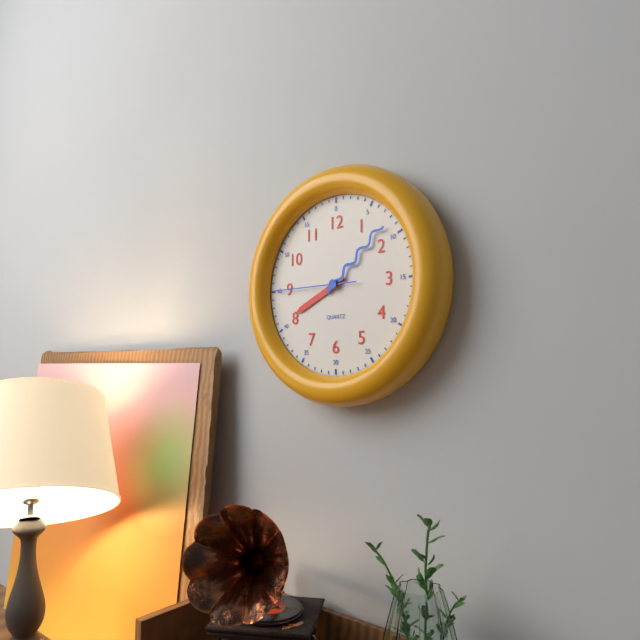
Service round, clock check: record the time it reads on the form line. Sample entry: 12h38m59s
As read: 8h08m45s
